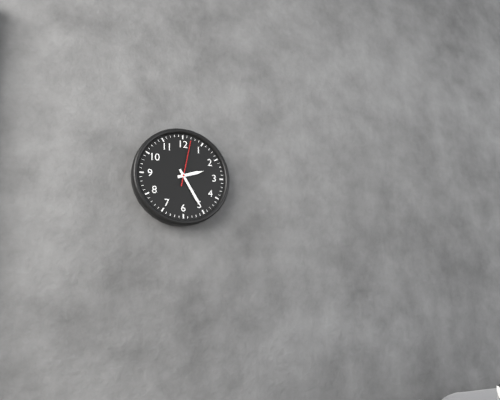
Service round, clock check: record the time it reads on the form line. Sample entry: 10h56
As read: 2h25
